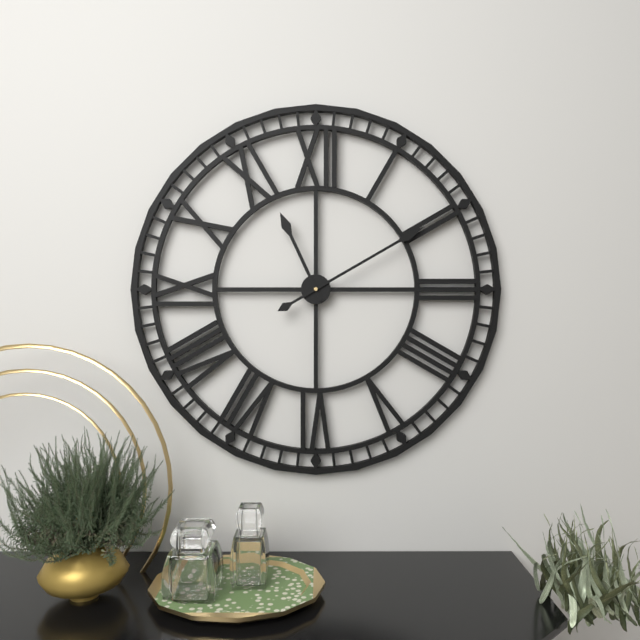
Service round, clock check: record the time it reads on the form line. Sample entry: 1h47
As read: 11h10
